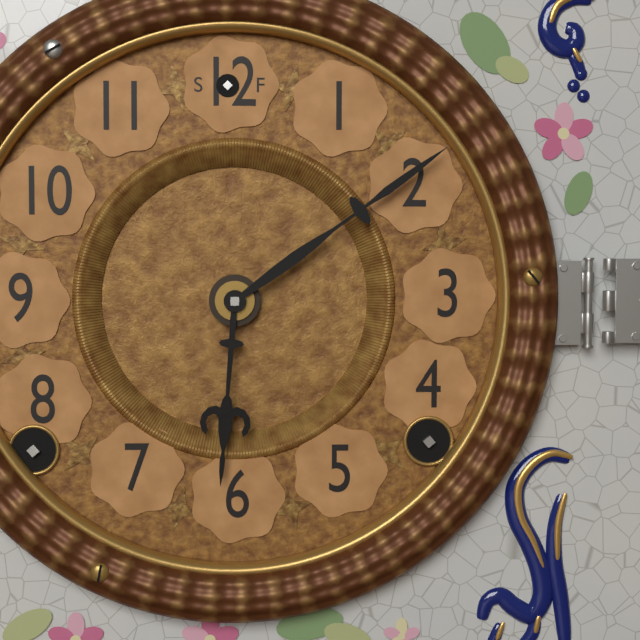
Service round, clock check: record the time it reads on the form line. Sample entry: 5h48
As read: 6h09
